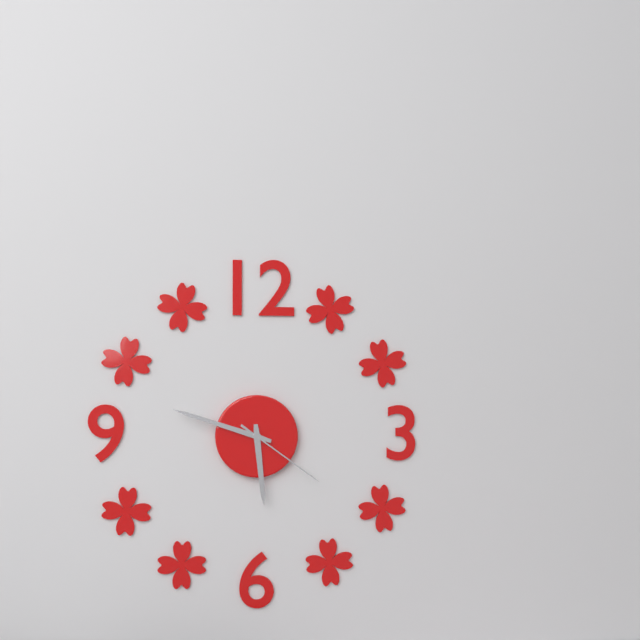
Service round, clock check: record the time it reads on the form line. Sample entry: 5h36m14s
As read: 5h48m21s
